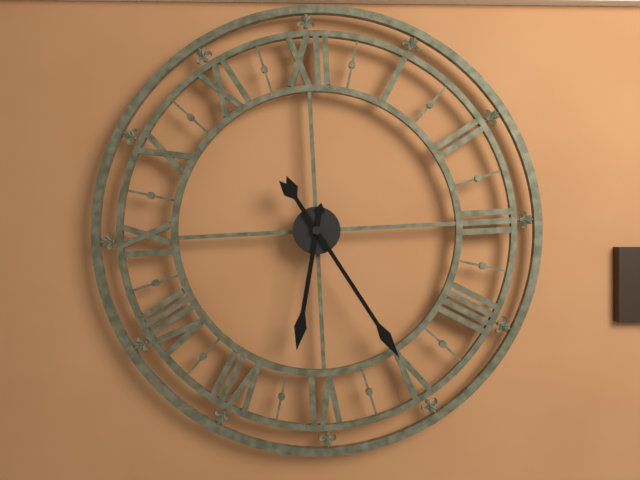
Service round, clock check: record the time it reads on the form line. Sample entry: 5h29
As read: 6h25
